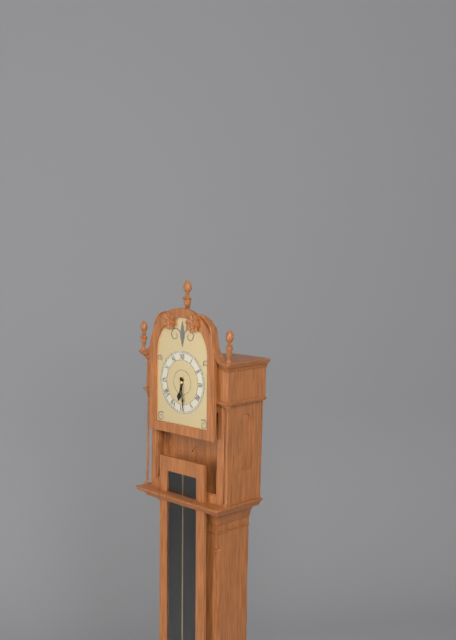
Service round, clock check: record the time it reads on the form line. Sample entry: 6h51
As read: 6h29
